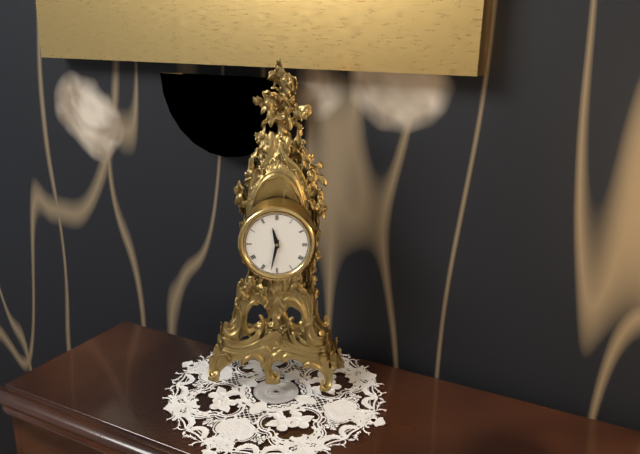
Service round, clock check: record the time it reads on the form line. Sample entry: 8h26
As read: 11h32
